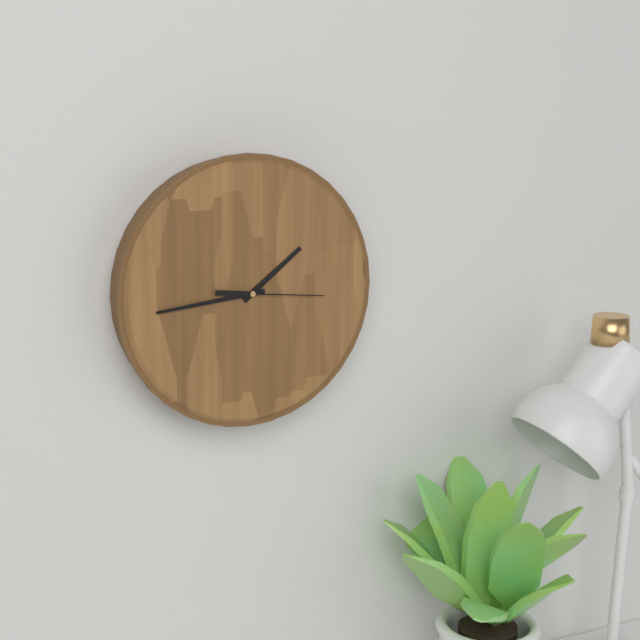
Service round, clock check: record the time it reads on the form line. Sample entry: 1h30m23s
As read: 1h44m16s
